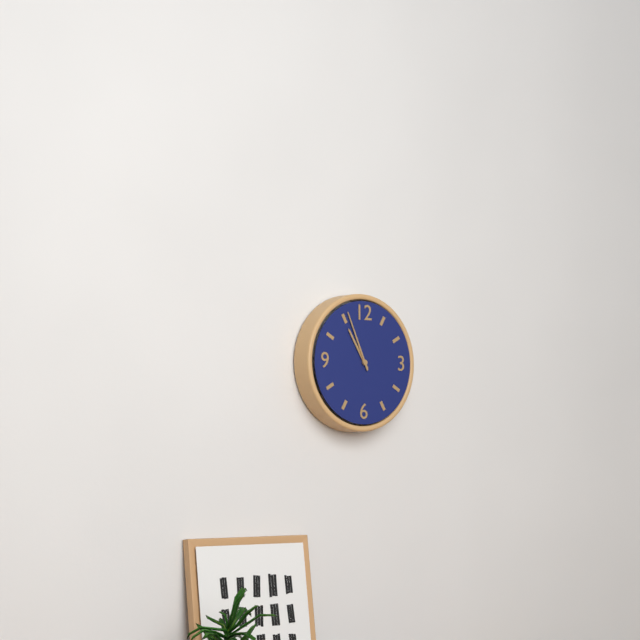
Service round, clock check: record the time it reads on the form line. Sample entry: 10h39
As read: 10h56
